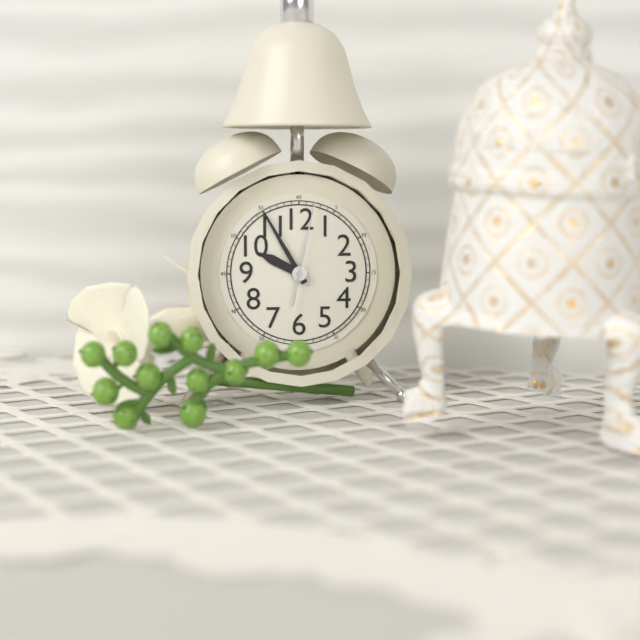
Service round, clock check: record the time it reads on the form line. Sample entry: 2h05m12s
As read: 9h55m02s
